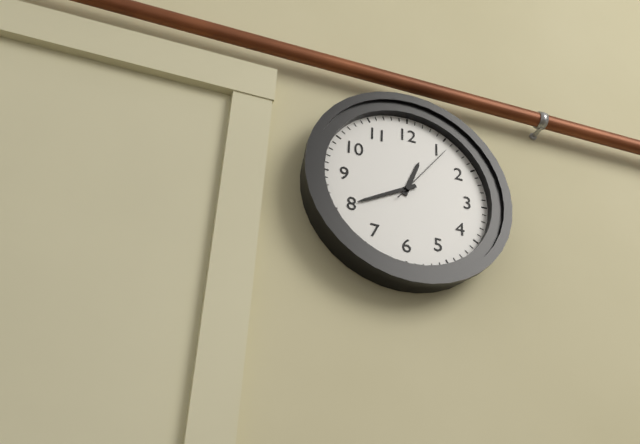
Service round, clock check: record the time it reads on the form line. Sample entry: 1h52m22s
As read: 12h40m06s
